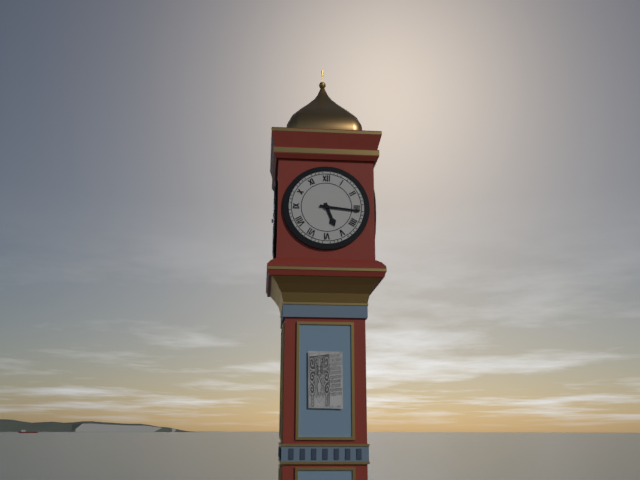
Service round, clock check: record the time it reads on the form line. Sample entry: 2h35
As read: 5h16
